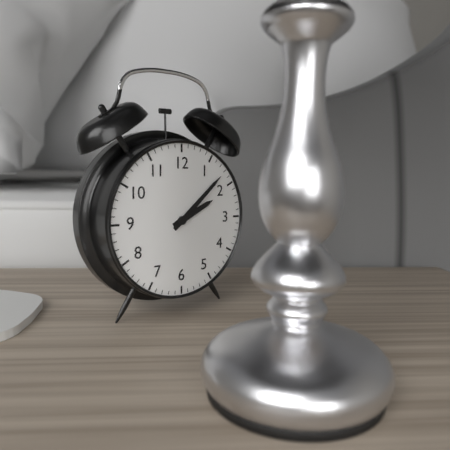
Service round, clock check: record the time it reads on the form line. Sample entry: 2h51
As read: 2h08
